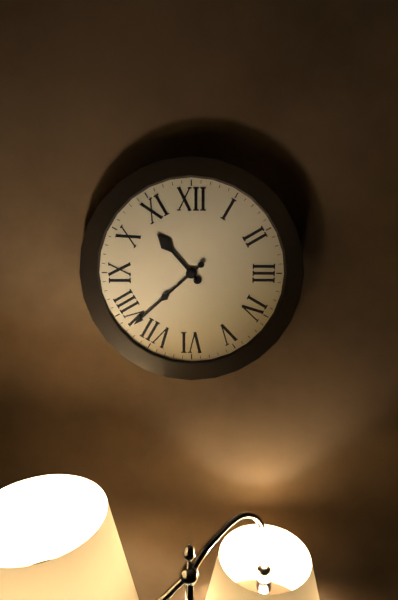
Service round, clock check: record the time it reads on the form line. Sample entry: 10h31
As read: 10h38
